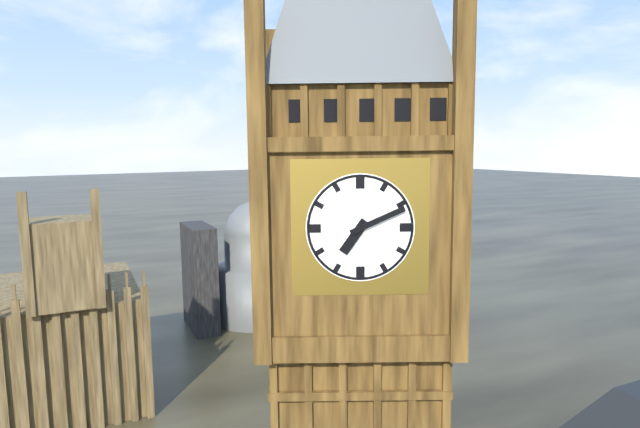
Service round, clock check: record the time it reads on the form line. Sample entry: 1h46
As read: 7h11
